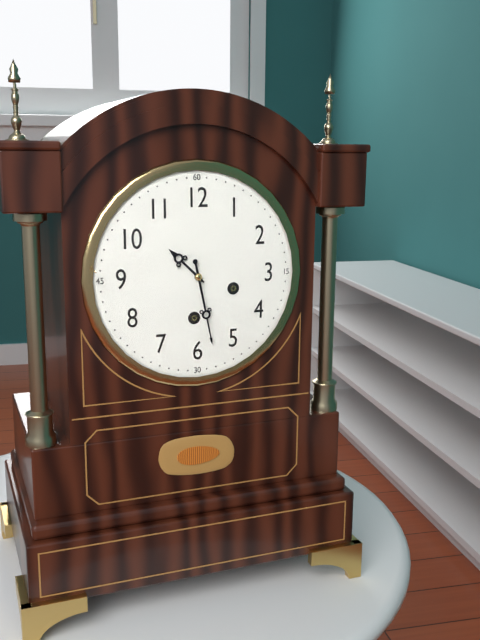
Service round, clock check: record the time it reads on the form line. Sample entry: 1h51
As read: 10h28
